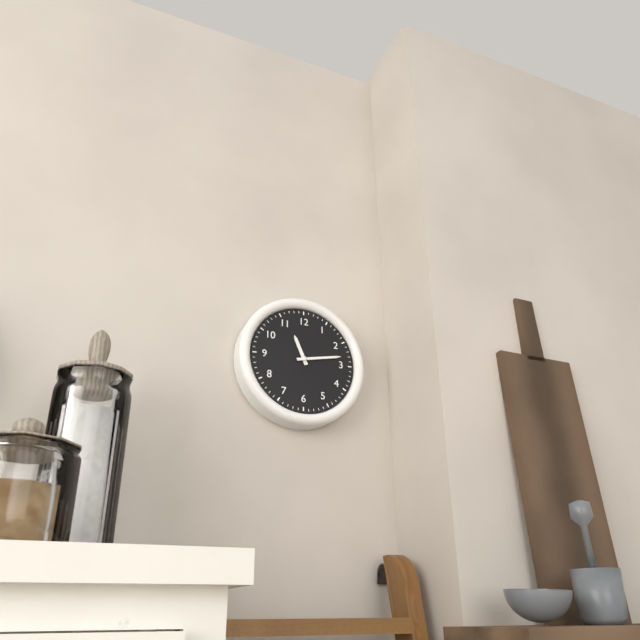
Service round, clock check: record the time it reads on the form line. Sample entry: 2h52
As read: 11h13
